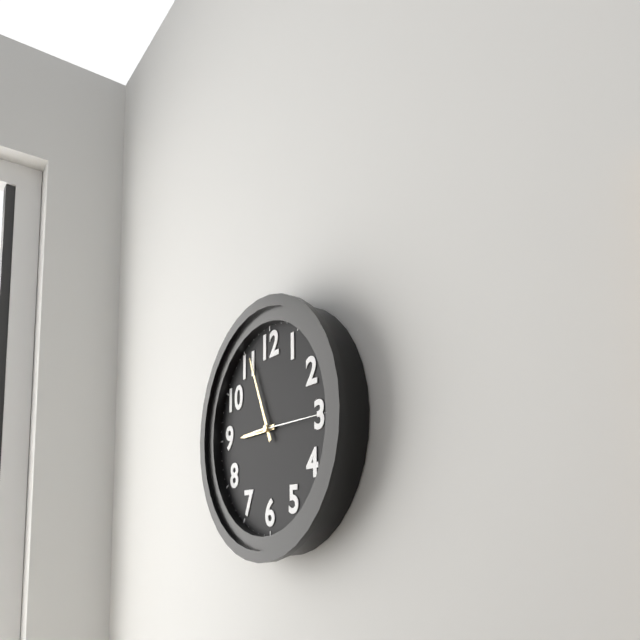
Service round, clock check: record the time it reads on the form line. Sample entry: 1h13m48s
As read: 8h56m15s
